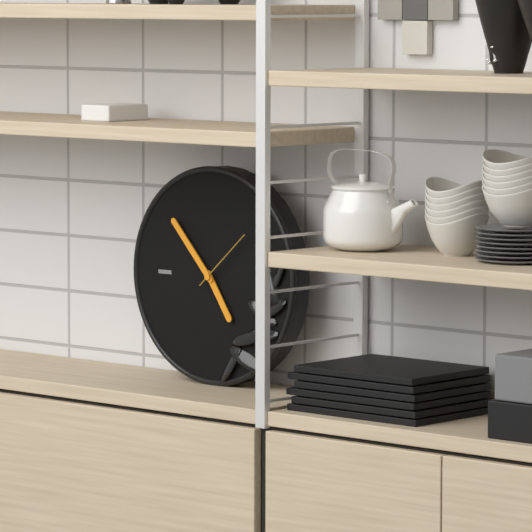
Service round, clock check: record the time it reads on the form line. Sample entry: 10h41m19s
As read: 4h53m08s
